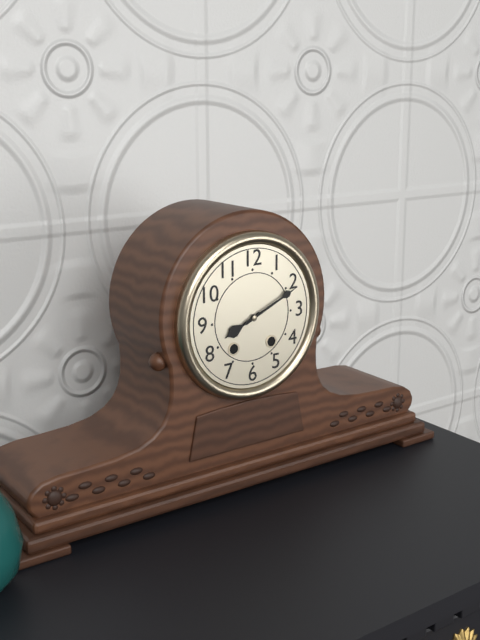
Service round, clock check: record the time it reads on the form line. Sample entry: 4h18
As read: 8h11
